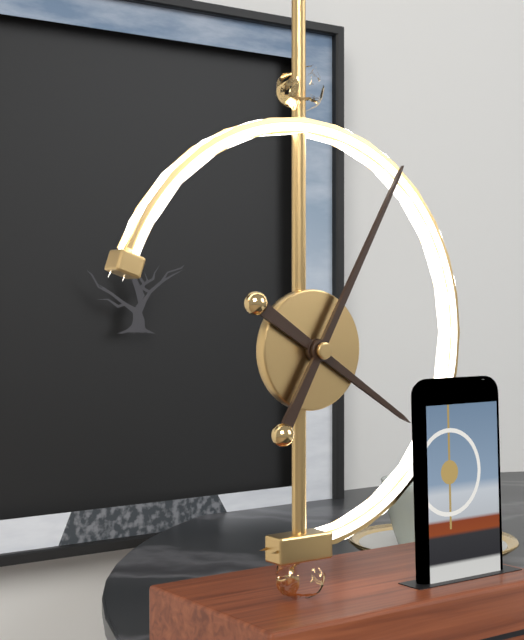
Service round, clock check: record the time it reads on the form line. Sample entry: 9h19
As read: 4h05
